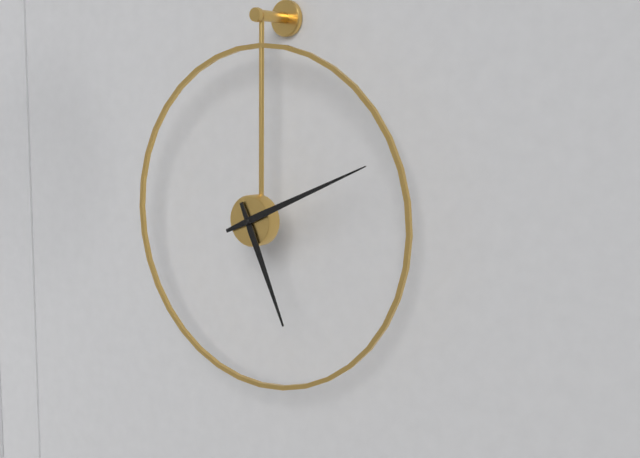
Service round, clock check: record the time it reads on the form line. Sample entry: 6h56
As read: 5h11
